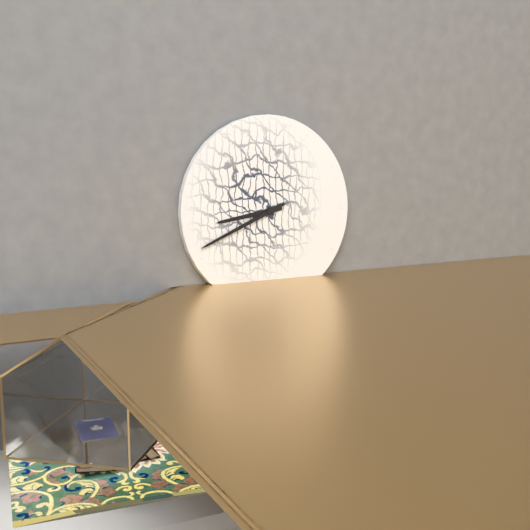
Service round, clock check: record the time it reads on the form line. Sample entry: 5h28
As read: 8h41
